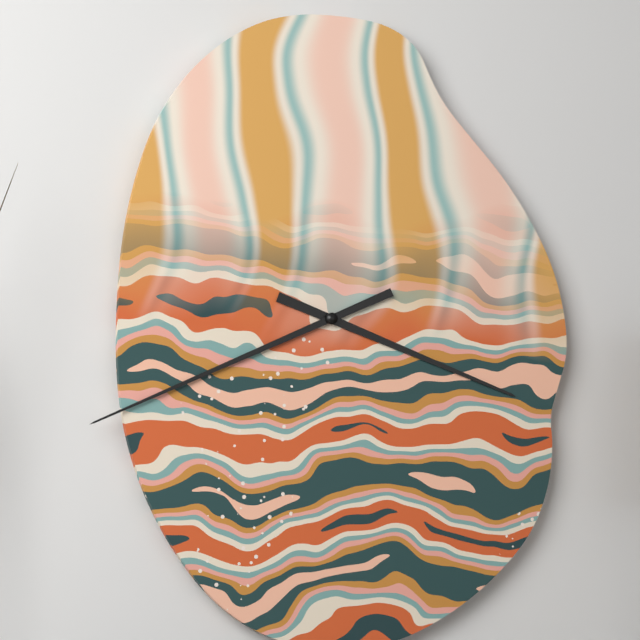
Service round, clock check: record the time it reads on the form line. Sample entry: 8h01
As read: 3h41
